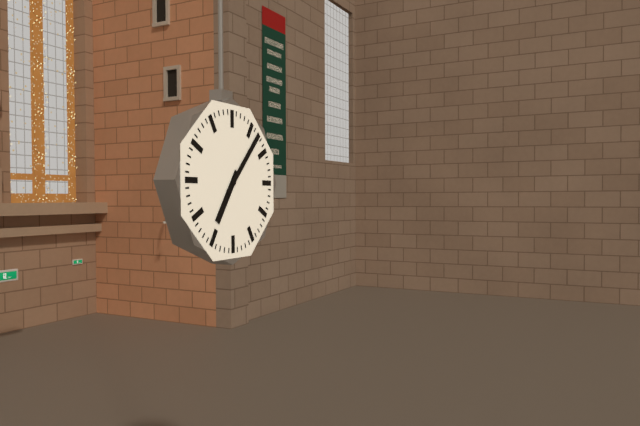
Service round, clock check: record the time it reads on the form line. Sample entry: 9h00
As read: 7h07
